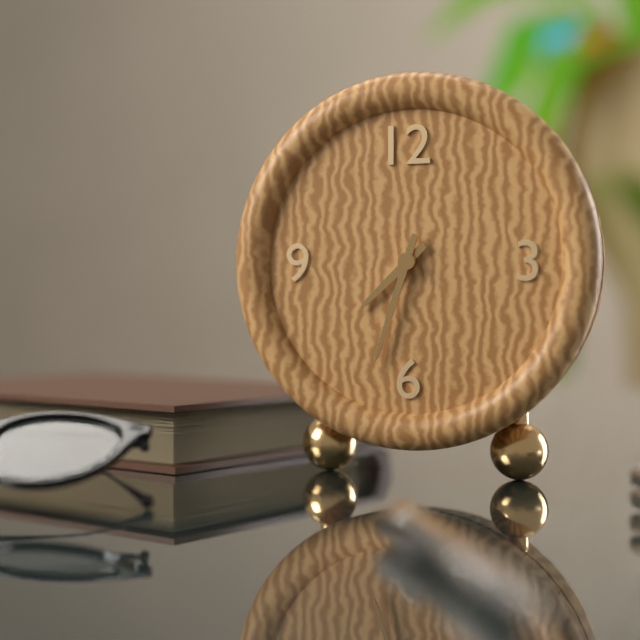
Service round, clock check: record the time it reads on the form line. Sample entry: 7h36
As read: 7h33
